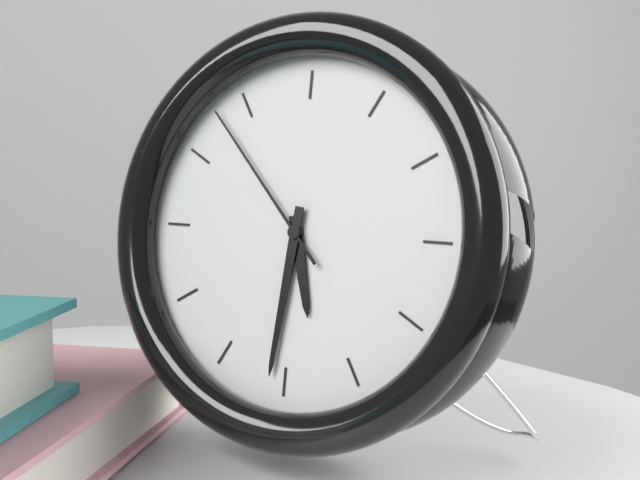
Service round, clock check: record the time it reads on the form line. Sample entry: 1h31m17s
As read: 5h31m53s
